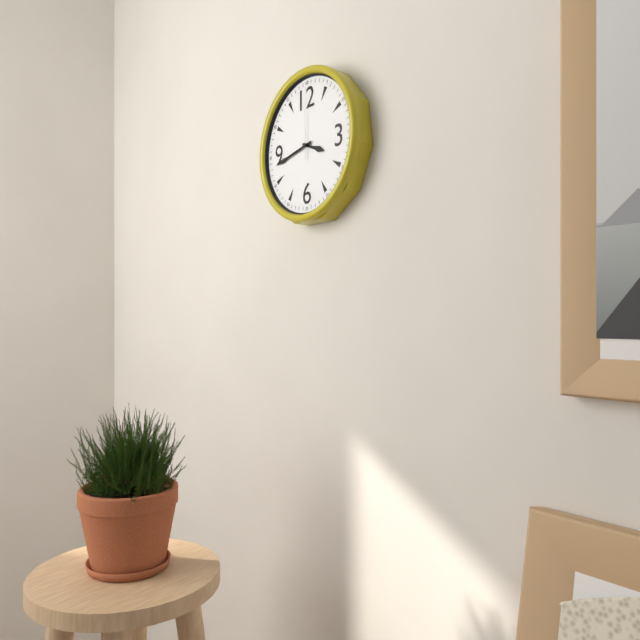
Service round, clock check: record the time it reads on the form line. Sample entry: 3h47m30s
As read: 3h43m00s
